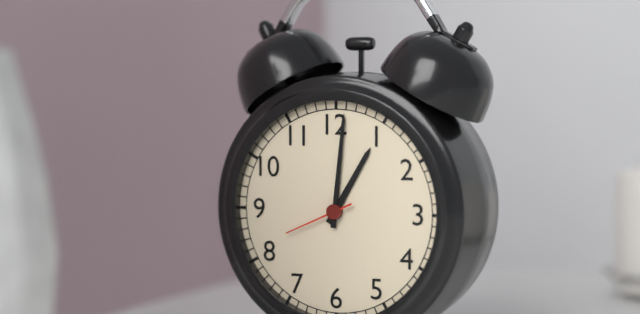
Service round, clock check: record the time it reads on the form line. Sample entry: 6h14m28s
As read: 1h01m41s
